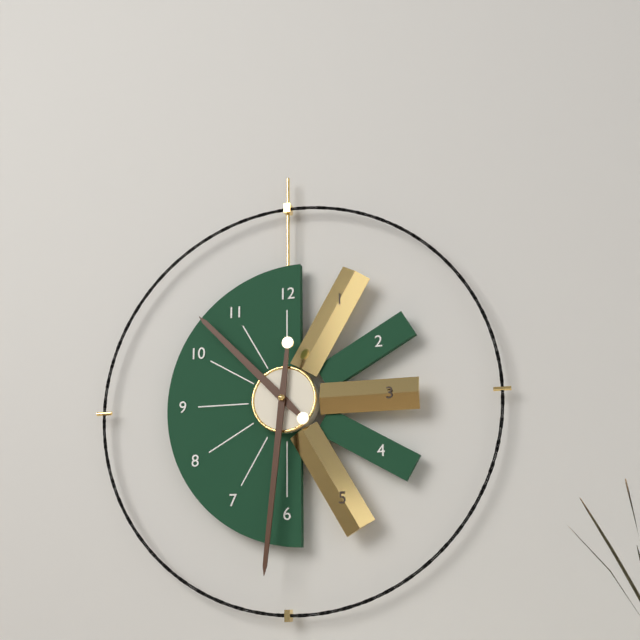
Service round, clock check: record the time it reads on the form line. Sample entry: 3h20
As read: 10h31
